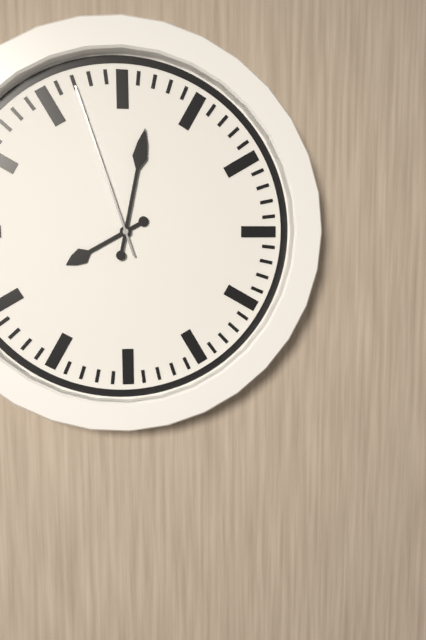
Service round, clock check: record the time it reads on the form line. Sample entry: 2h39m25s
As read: 8h02m57s
